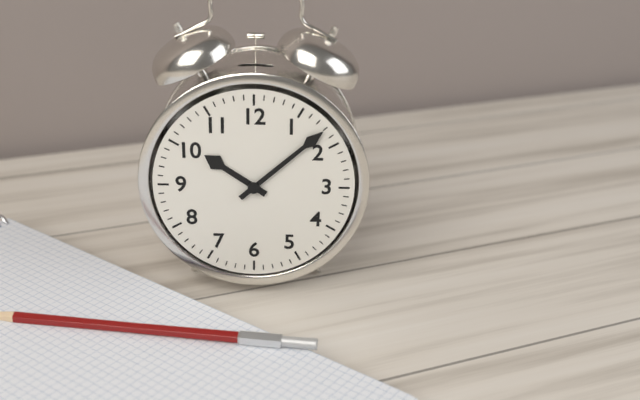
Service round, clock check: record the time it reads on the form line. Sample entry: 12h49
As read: 10h08
